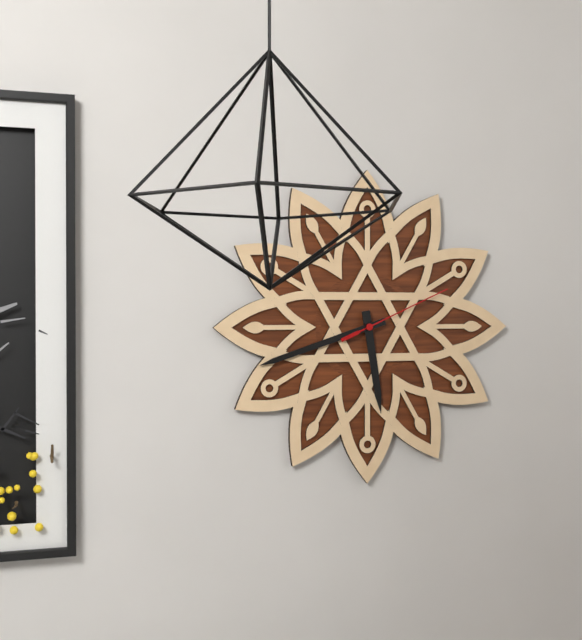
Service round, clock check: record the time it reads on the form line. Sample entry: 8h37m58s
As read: 5h42m11s
